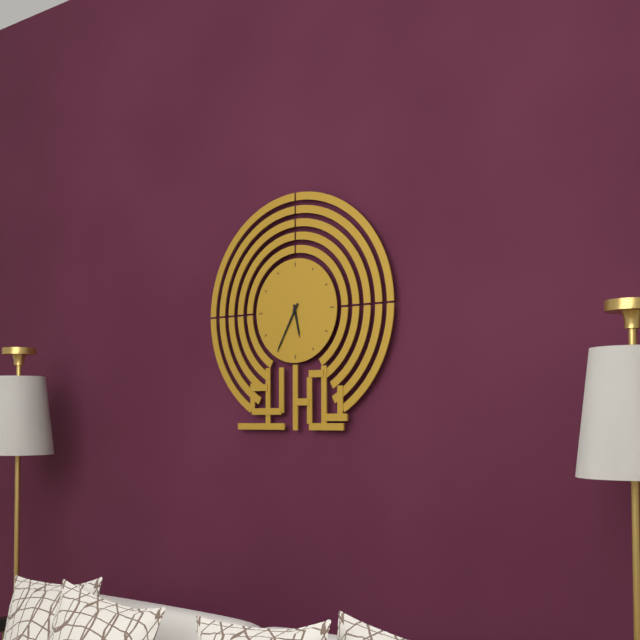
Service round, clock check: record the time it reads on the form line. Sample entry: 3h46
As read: 5h35
